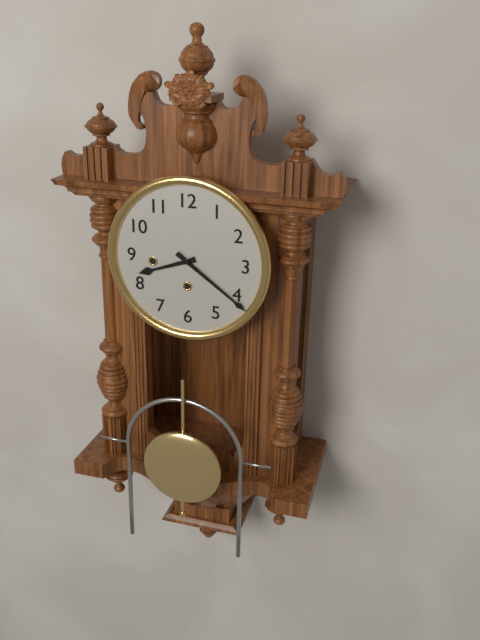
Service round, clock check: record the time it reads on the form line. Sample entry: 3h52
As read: 8h21
